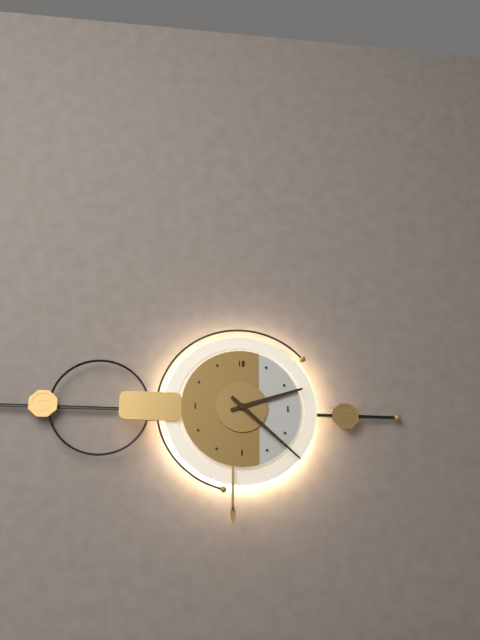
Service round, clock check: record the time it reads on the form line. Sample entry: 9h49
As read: 2h22
